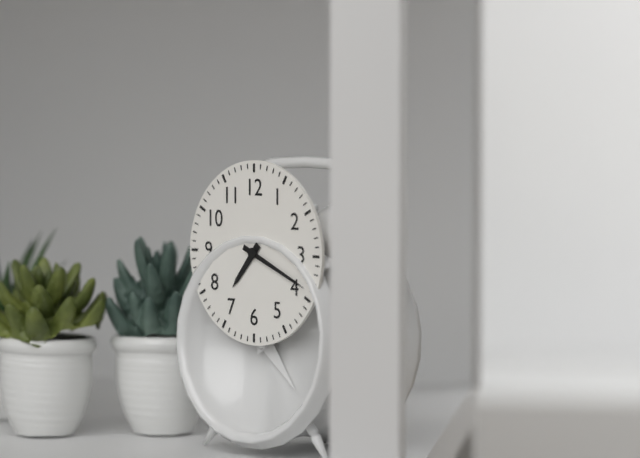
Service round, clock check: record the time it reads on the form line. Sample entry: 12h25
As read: 7h19
